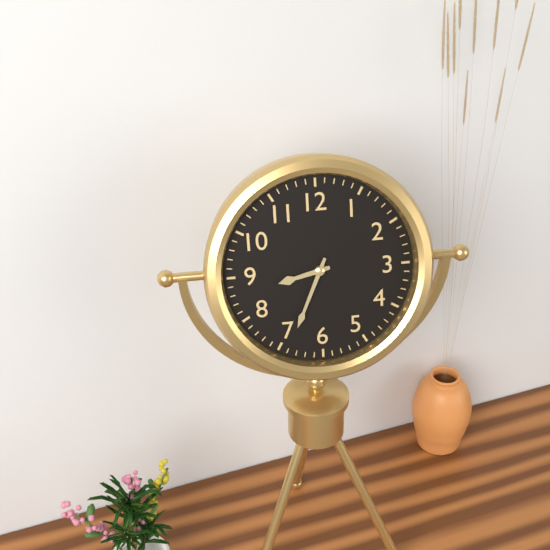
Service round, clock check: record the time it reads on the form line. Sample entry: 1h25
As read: 8h34
